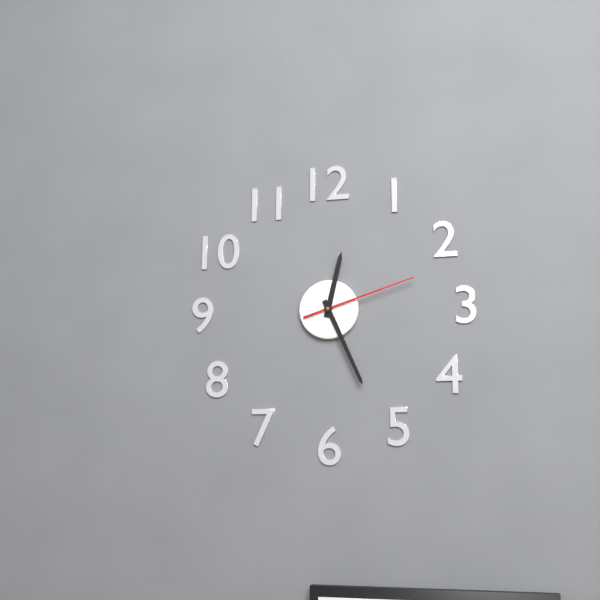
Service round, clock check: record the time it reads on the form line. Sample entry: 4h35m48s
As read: 12h26m12s
